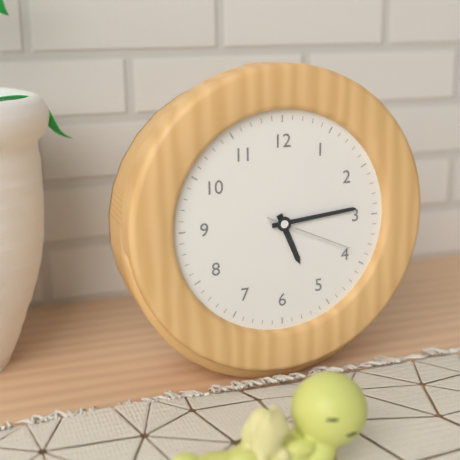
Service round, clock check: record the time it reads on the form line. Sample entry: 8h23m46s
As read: 5h14m19s
